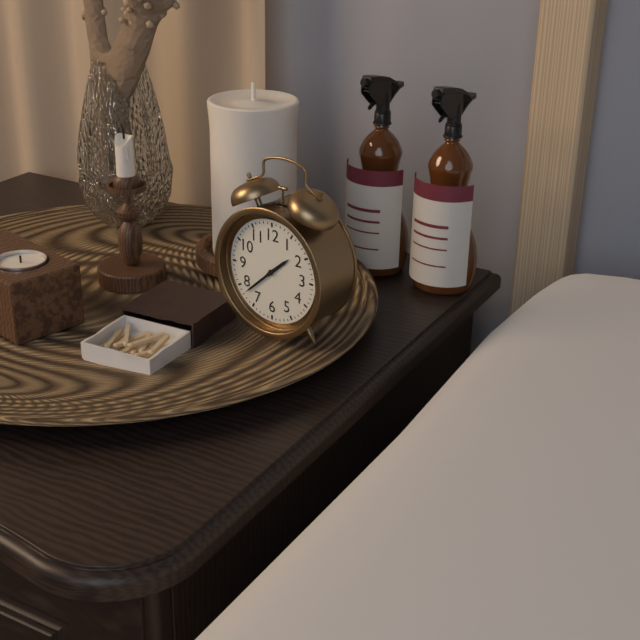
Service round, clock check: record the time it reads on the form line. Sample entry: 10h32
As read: 1h38
